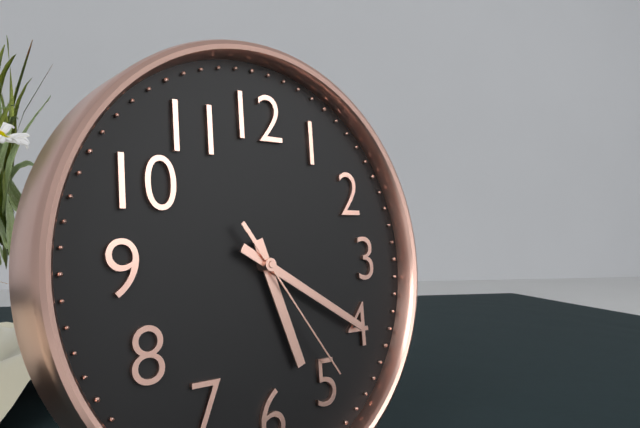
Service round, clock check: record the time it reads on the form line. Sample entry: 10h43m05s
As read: 5h20m24s
